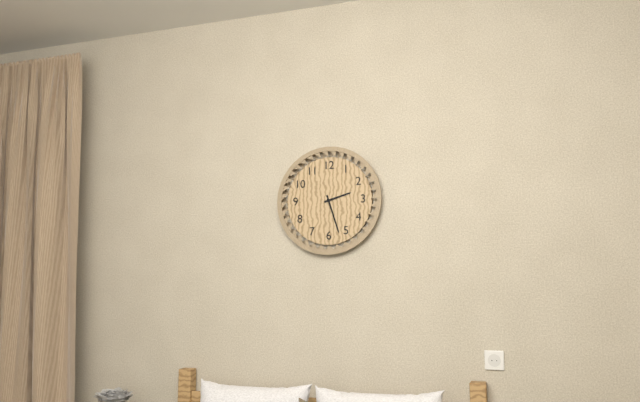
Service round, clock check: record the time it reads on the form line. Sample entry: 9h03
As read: 2h27
